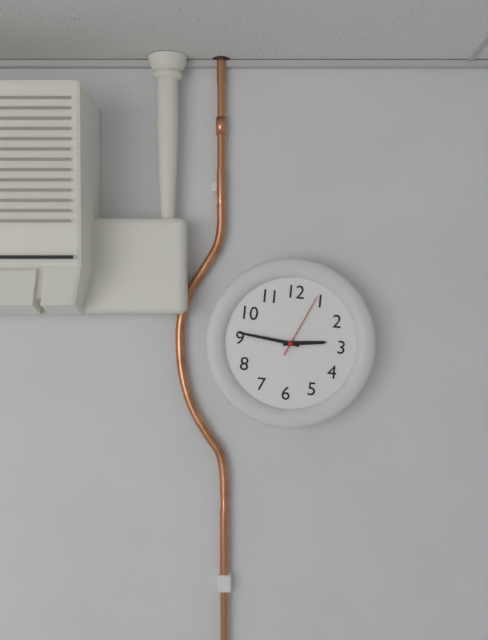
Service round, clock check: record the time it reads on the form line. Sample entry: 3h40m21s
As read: 2h46m04s
